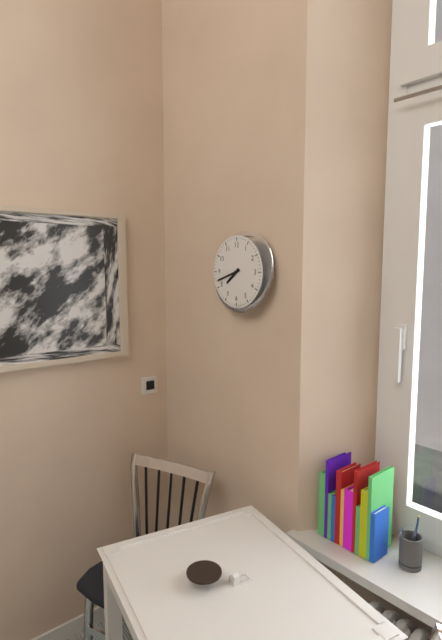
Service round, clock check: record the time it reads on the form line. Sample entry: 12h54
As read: 7h42
